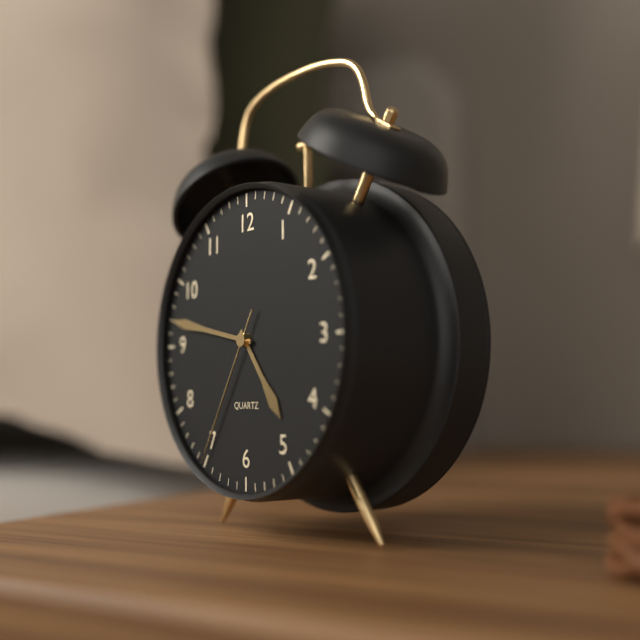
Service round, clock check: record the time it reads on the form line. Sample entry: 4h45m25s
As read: 4h47m35s
